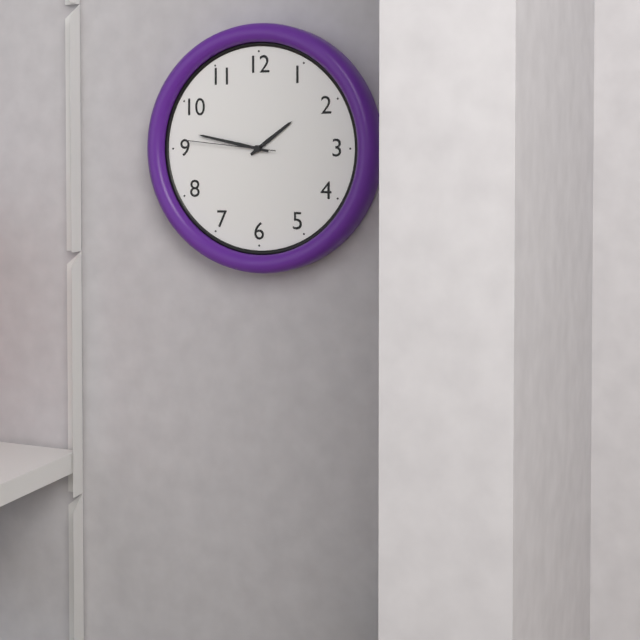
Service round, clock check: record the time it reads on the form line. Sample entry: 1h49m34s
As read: 1h47m46s
